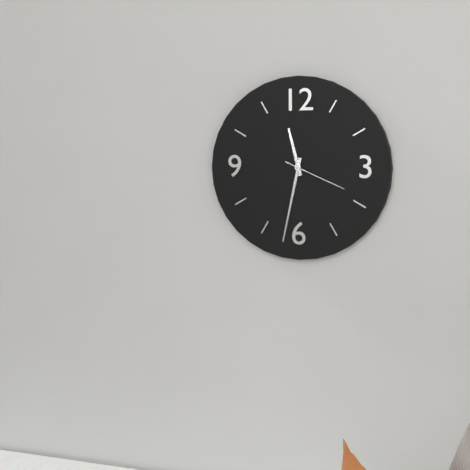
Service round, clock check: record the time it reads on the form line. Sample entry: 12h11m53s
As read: 11h32m19s
